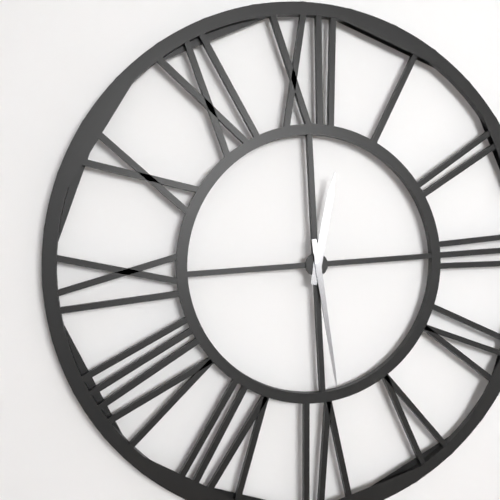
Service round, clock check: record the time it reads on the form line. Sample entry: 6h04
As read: 12h29
